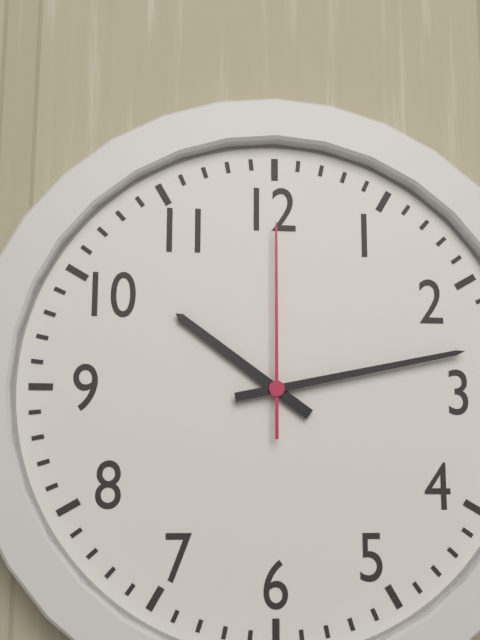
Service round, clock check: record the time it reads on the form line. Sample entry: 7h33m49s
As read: 10h13m00s
